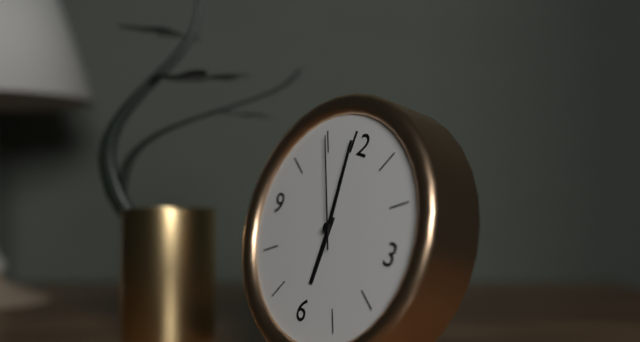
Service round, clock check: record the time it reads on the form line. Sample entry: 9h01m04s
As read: 5h59m55s
